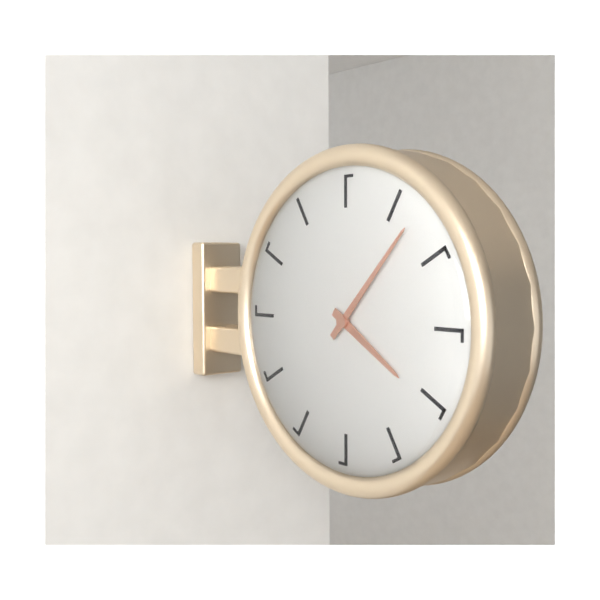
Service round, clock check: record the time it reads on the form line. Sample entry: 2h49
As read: 4h07
